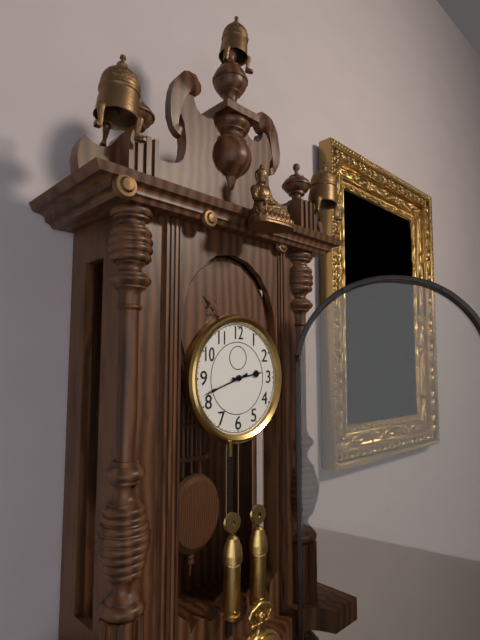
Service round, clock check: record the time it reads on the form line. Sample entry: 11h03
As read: 2h42
